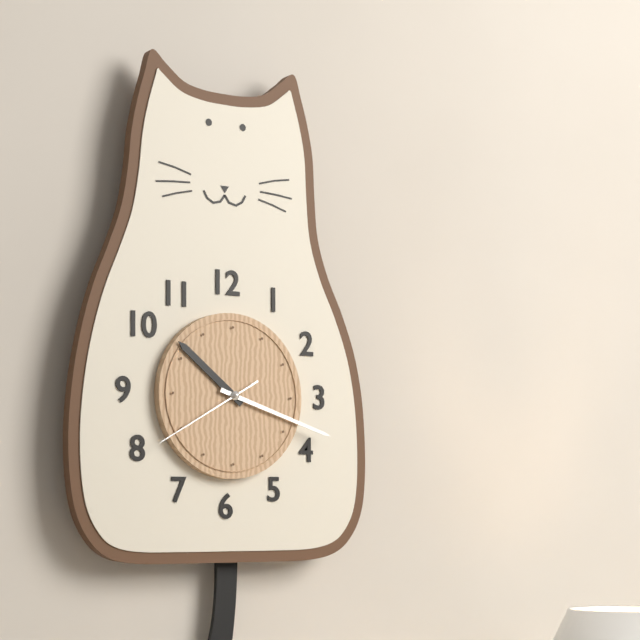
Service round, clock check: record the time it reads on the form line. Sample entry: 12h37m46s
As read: 10h18m40s
